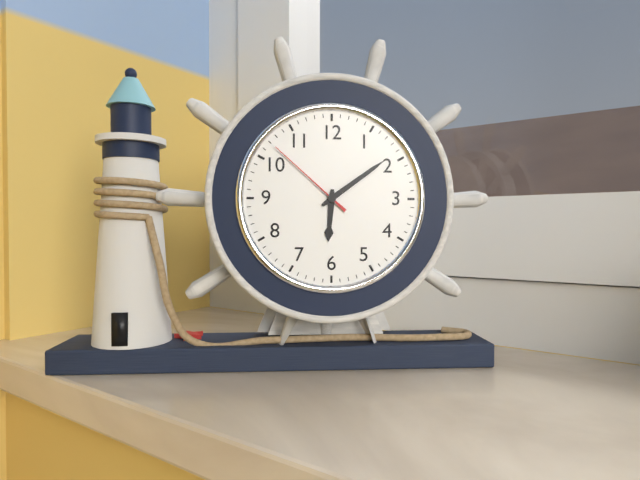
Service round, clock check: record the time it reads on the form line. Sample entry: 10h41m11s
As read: 6h09m52s
